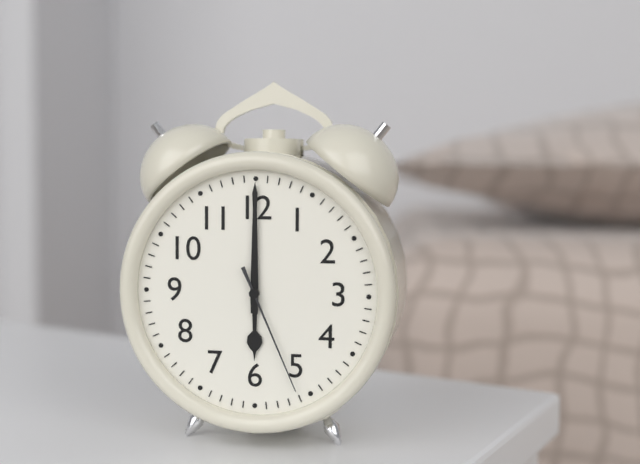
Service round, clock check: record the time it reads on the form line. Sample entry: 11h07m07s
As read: 6h00m26s
